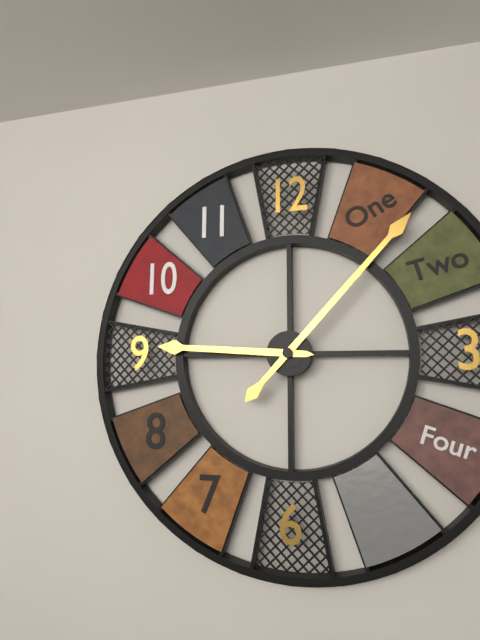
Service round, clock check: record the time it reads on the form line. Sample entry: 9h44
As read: 9h07
